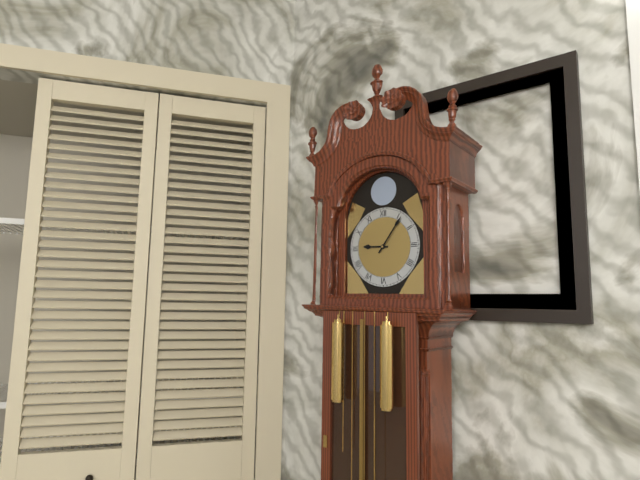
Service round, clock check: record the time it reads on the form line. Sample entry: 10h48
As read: 9h06
